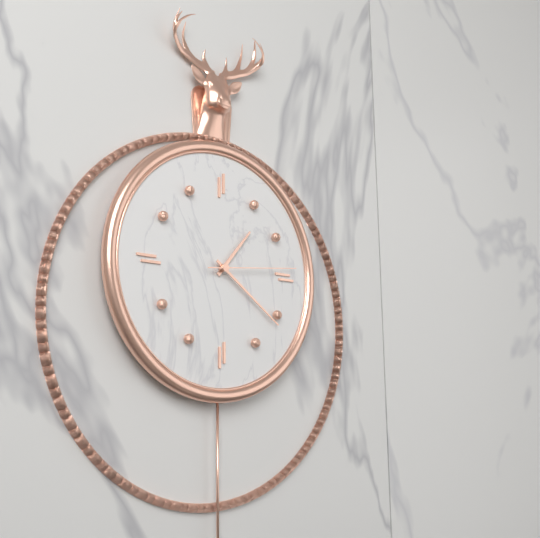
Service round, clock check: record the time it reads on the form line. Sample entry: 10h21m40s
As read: 1h21m14s
